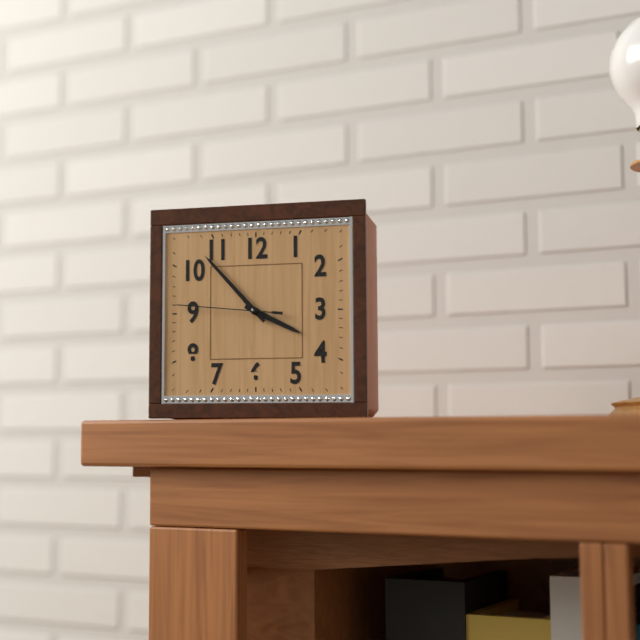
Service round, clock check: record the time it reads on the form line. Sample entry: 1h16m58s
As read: 3h53m46s
